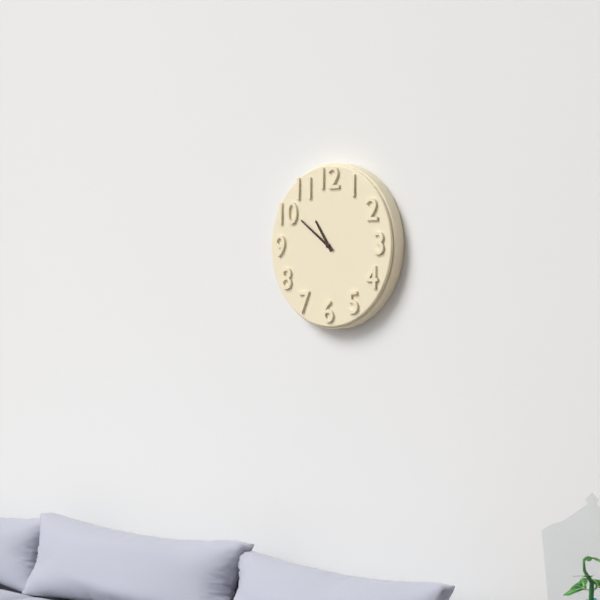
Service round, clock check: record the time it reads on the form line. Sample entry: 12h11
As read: 10h51
